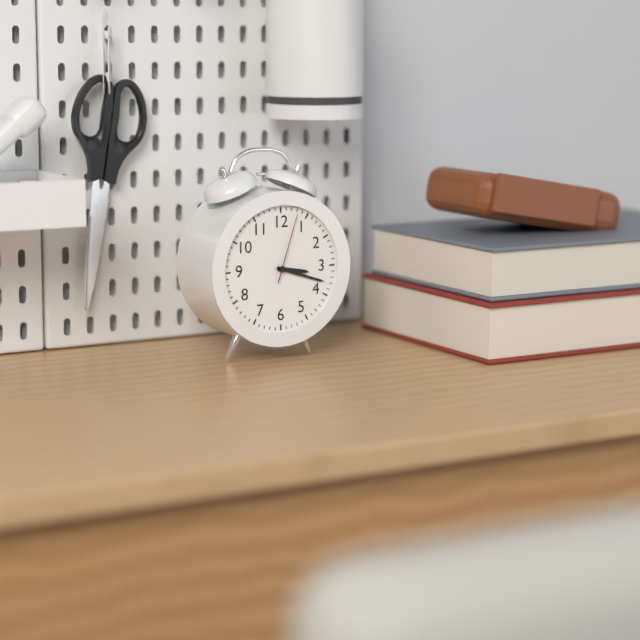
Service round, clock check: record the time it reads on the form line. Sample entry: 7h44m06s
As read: 3h18m03s
